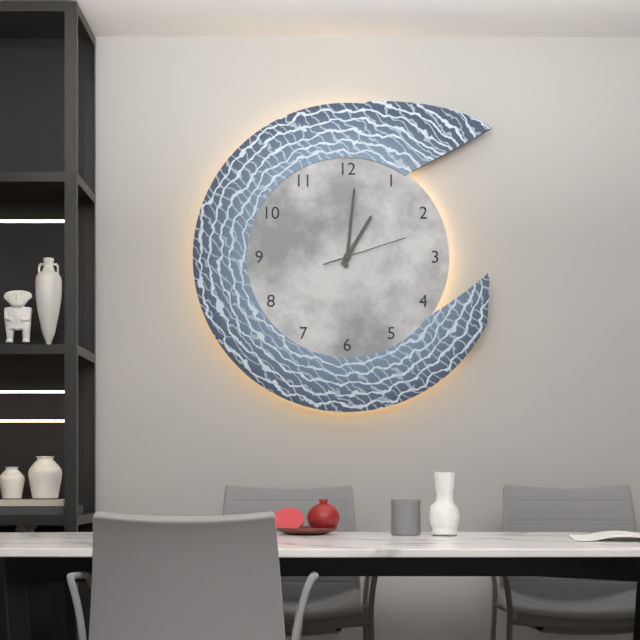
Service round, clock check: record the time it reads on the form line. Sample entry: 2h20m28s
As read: 1h01m12s
